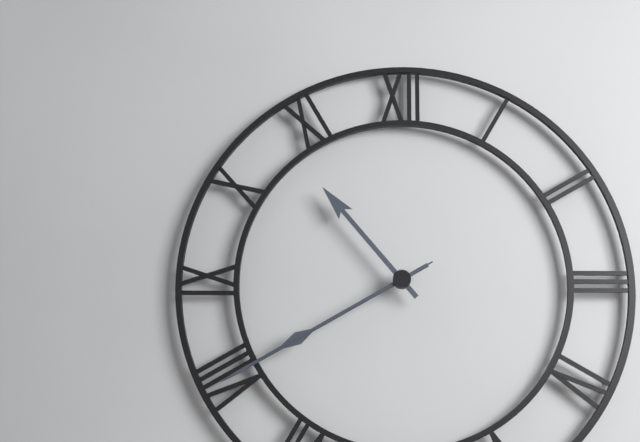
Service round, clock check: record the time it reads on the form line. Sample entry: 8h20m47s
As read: 10h40m40s
